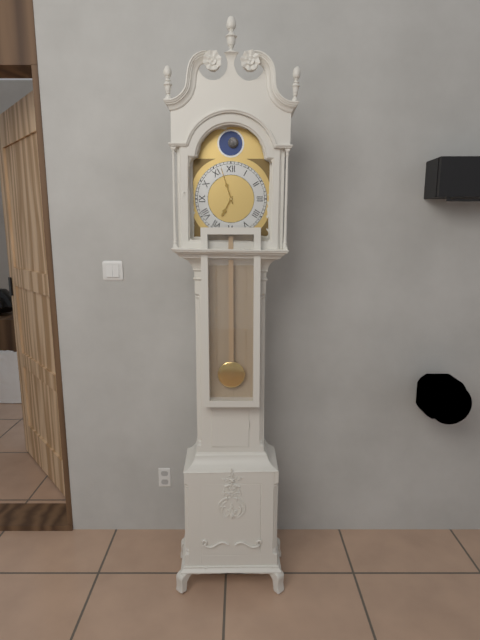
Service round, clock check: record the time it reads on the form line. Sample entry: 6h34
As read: 6h57
